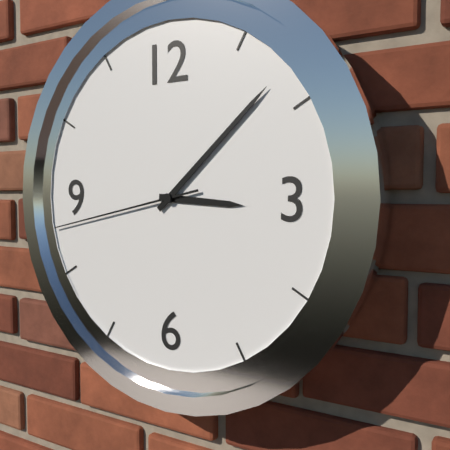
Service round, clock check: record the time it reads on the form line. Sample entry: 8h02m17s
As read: 3h08m43s
